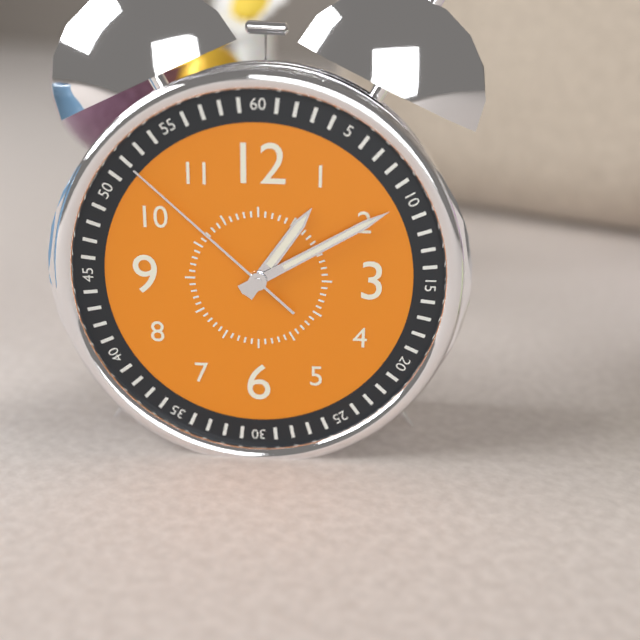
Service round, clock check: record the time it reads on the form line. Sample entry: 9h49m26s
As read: 1h10m52s
